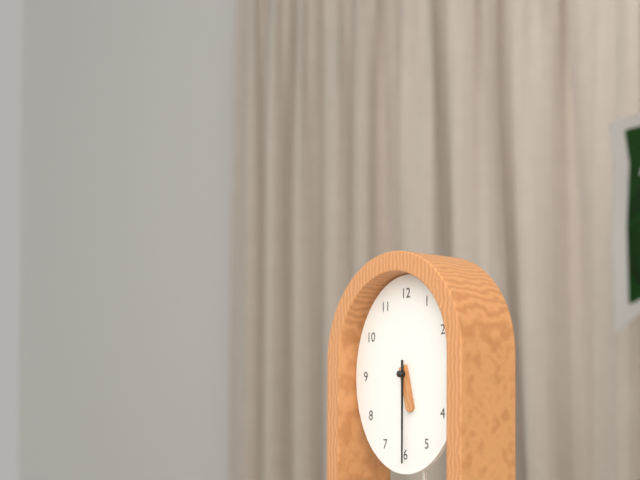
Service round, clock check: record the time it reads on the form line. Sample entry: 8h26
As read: 5h30
